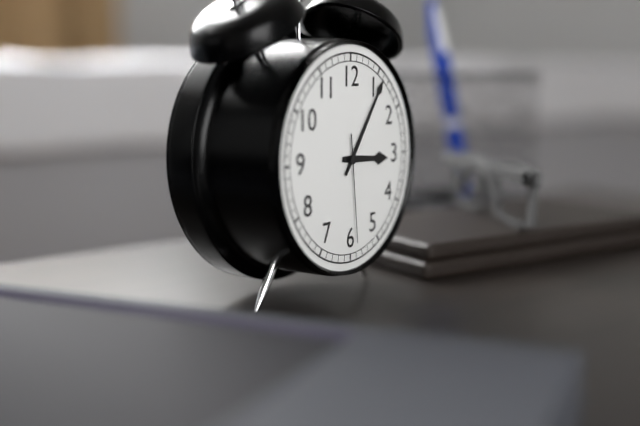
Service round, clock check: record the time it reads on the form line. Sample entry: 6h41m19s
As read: 3h06m29s
